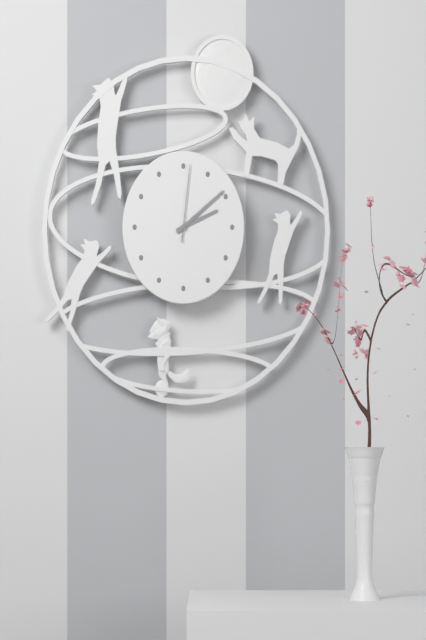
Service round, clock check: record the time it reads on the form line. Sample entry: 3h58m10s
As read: 2h08m01s
